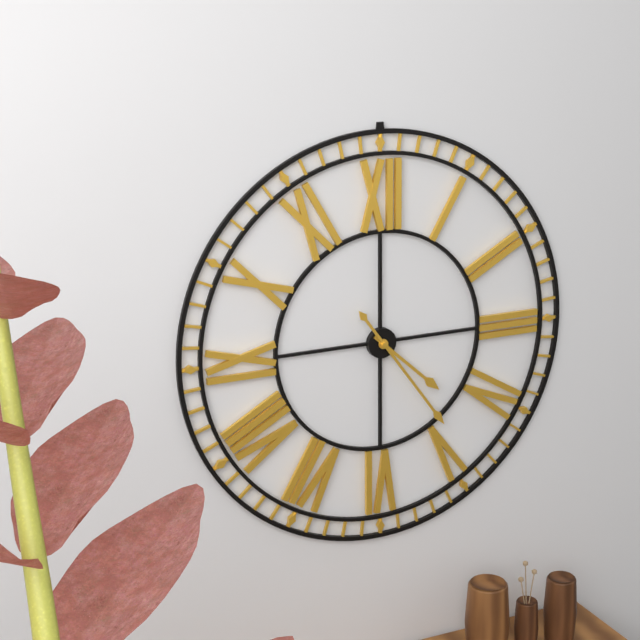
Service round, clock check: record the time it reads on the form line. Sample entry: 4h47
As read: 4h24
